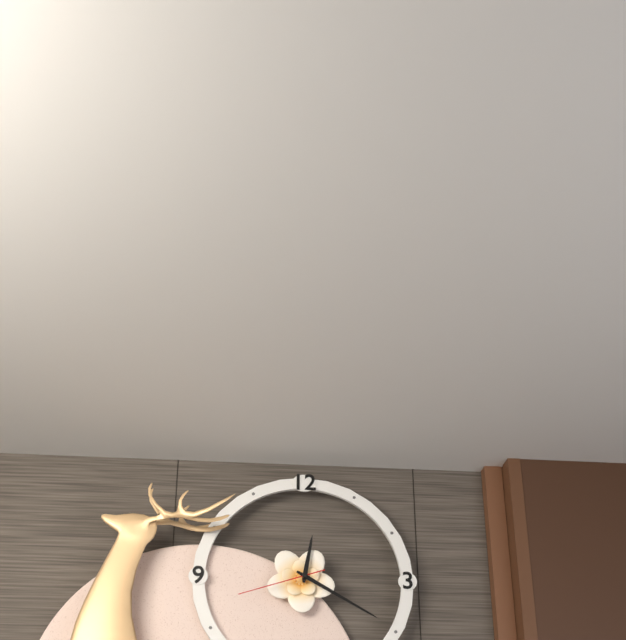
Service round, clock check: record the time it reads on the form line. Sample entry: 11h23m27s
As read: 12h20m42s
